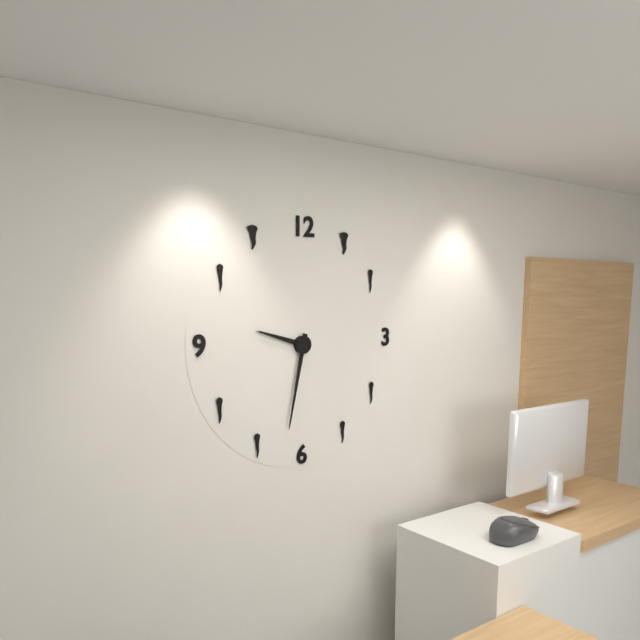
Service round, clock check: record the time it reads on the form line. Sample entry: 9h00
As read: 9h32
